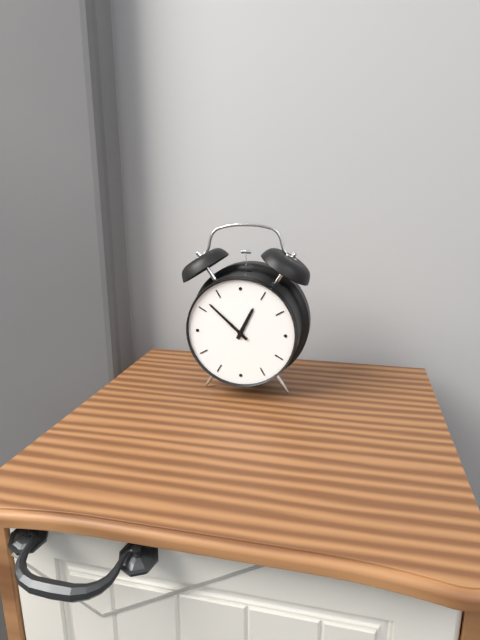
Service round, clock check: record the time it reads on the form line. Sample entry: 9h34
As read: 12h52
